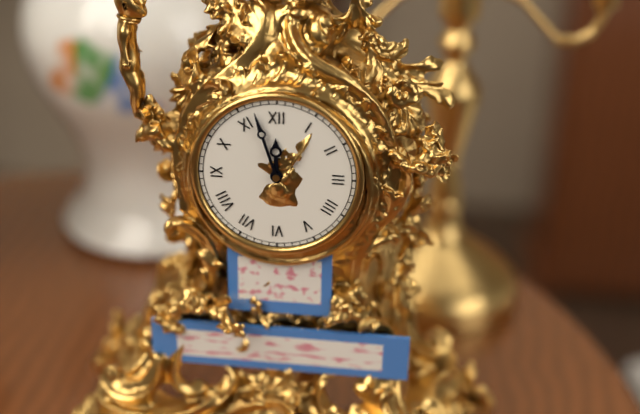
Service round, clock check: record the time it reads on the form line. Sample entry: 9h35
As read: 11h57
